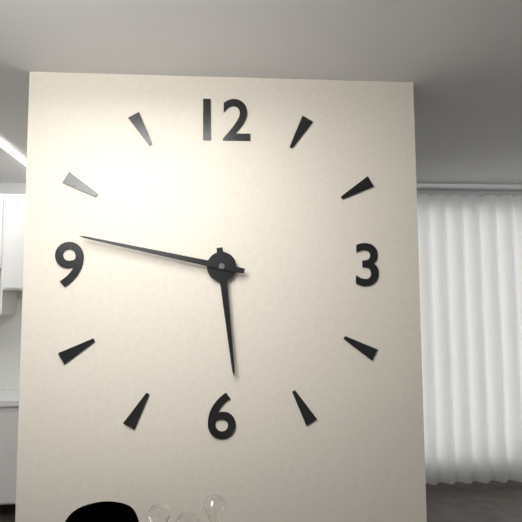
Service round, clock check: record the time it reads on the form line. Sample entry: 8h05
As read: 5h47
